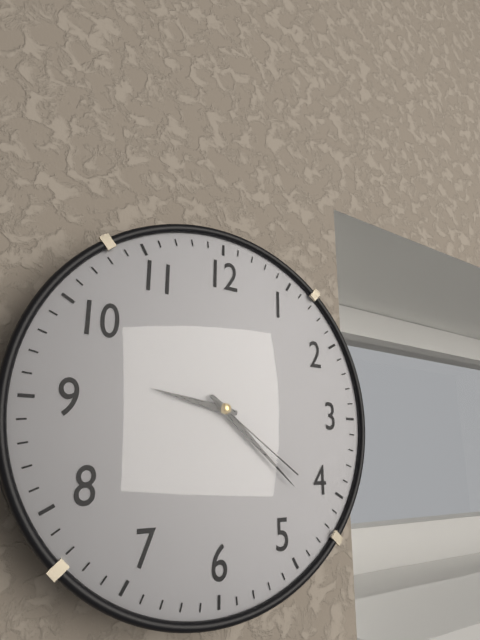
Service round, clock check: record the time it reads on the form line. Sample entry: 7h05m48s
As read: 9h22m21s
